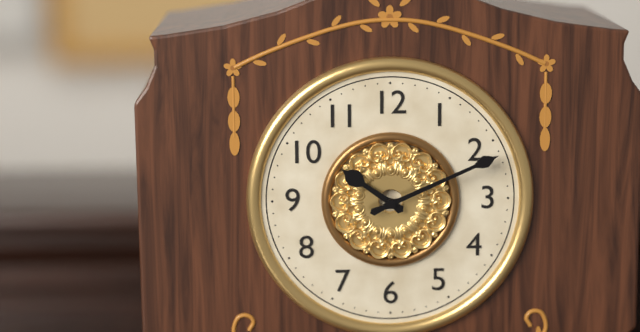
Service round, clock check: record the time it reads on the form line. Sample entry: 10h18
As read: 10h11
